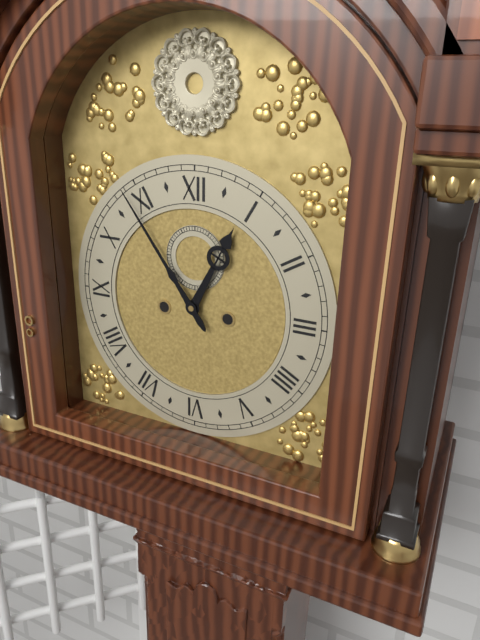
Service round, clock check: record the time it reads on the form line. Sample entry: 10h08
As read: 12h54
